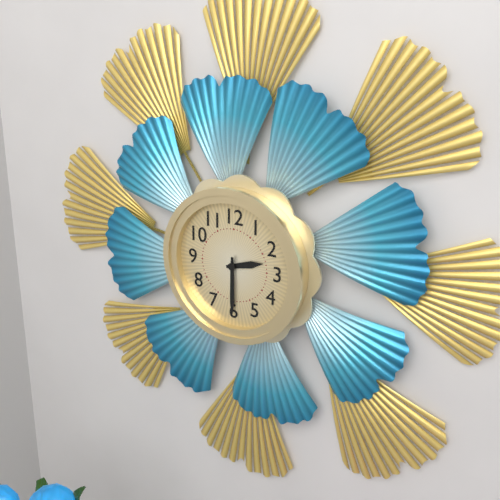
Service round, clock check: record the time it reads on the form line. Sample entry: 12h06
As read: 2h30
